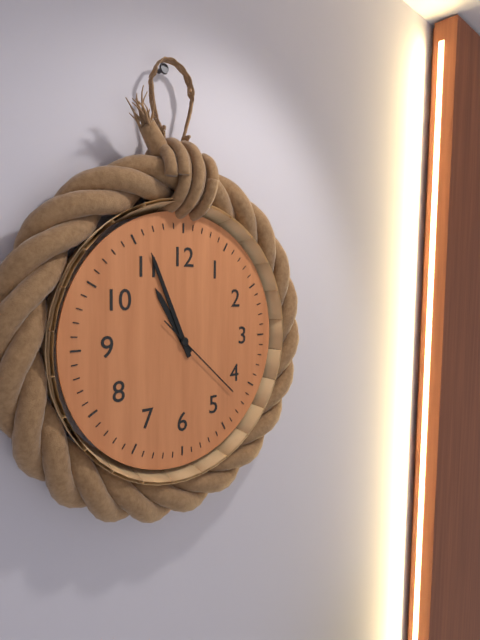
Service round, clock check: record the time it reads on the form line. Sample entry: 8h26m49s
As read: 10h56m22s
